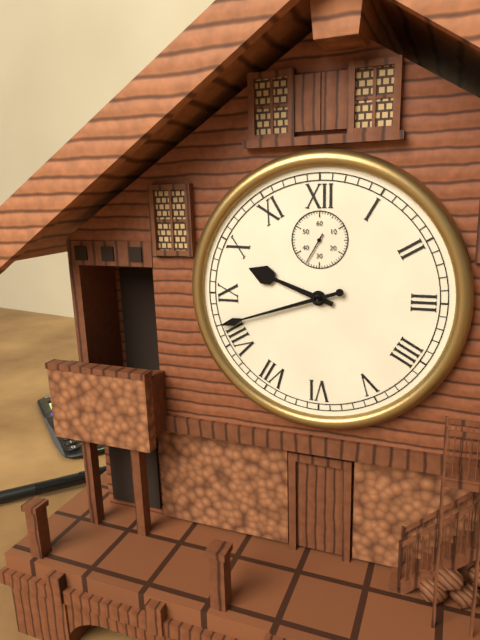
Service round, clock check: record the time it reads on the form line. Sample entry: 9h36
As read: 9h42
